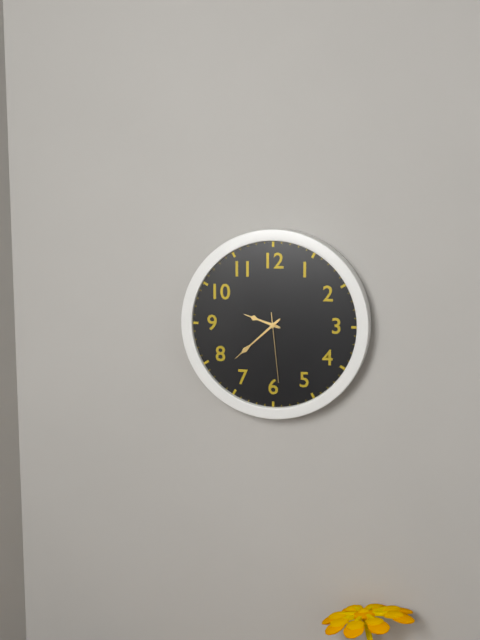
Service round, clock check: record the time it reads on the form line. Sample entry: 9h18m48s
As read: 9h38m29s
